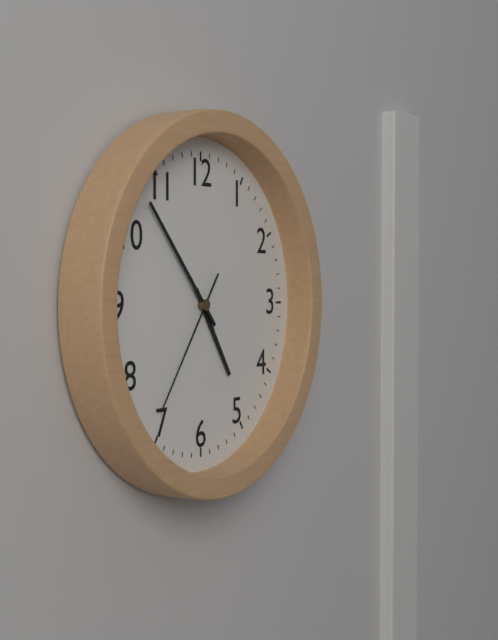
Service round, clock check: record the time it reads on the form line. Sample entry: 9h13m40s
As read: 4h53m36s
